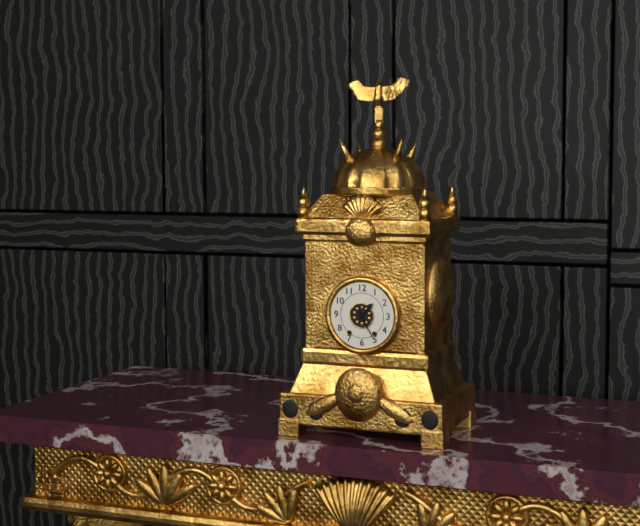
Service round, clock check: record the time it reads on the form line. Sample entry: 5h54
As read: 1h25
